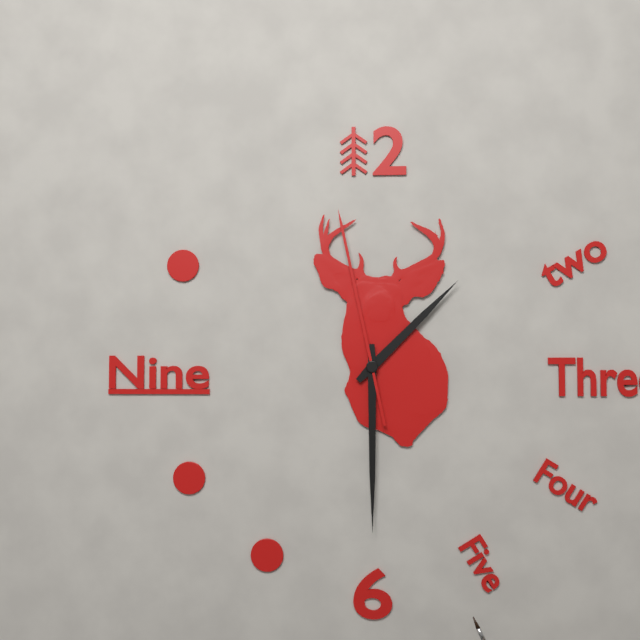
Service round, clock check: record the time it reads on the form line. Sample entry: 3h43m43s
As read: 1h30m58s
